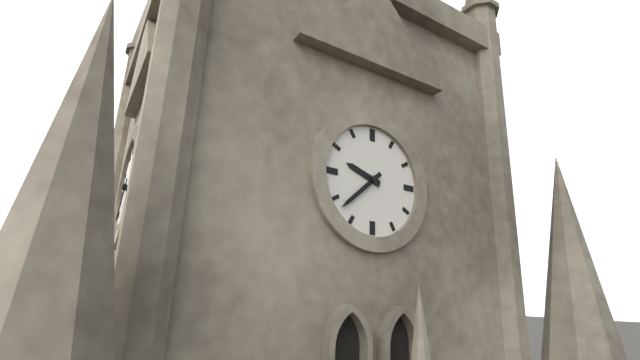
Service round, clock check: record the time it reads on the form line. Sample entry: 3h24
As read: 9h38
